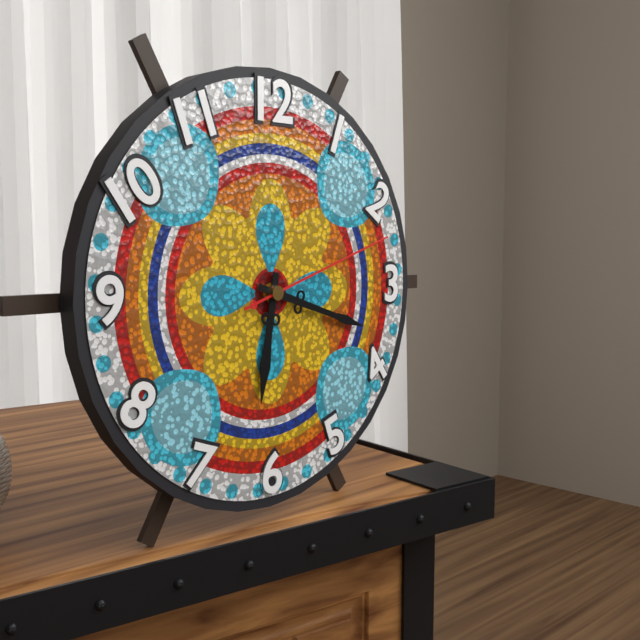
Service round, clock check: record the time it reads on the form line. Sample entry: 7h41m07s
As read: 6h18m12s
